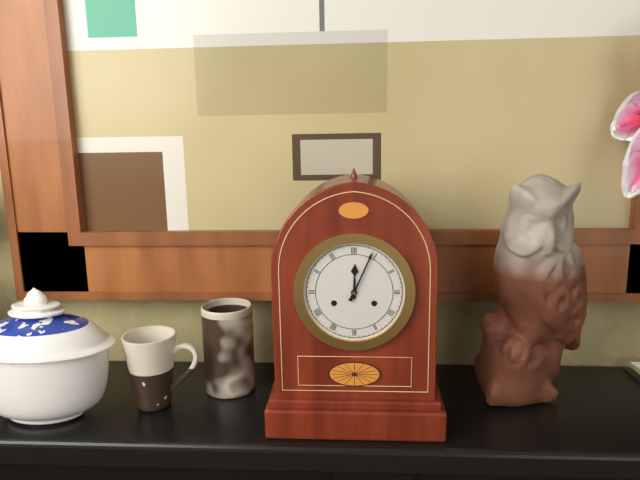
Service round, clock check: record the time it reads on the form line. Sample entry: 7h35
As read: 12h04
